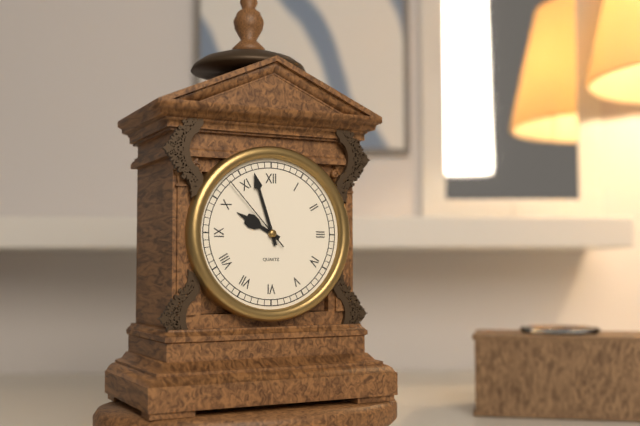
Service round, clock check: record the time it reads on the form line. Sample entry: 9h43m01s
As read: 9h57m53s
